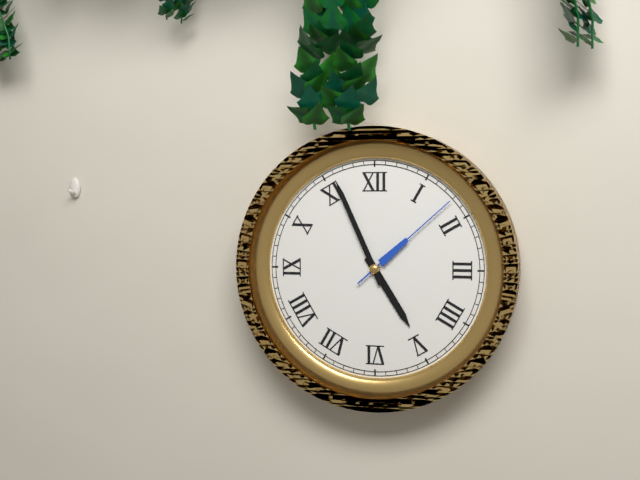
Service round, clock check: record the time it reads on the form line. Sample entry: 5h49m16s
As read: 4h56m08s
